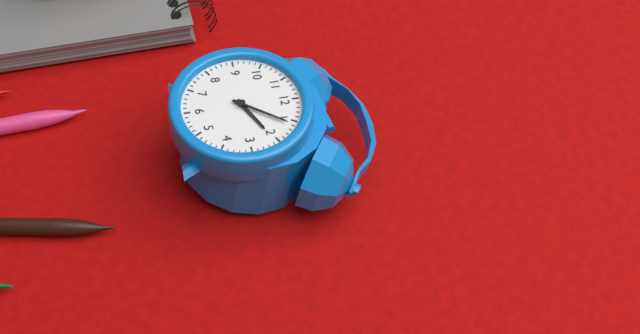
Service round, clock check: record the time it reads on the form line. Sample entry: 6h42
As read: 2h06
